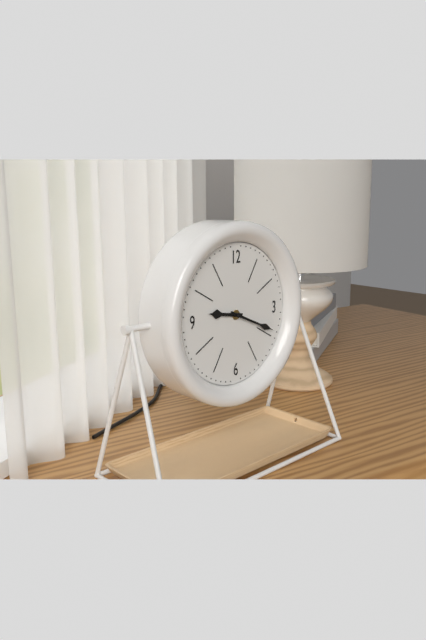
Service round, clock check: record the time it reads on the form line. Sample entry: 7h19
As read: 9h19
